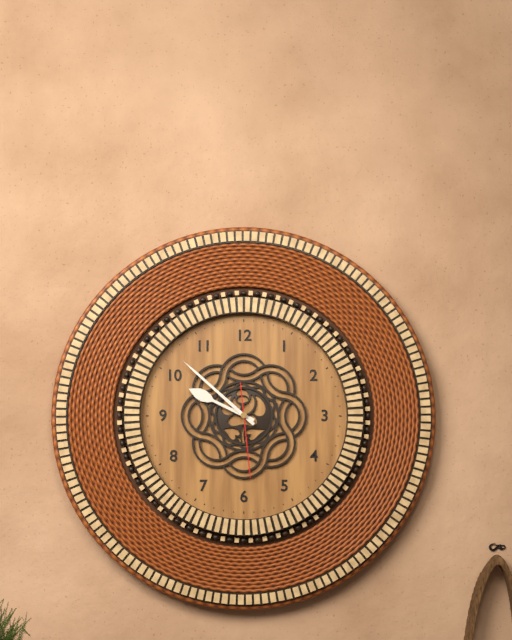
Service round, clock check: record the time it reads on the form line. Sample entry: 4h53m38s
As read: 9h52m29s
